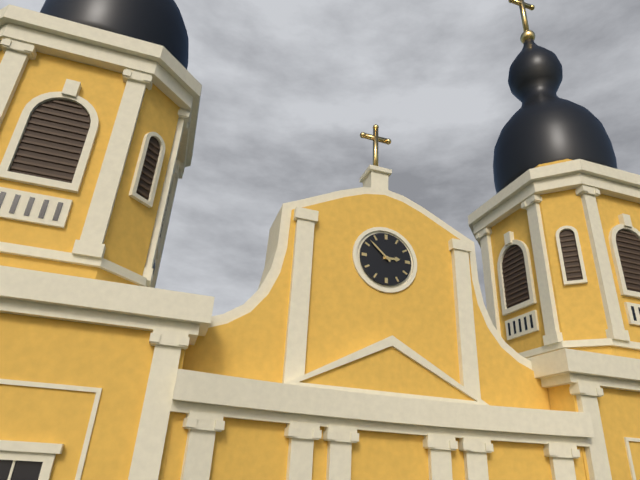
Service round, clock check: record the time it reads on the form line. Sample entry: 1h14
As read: 2h52
